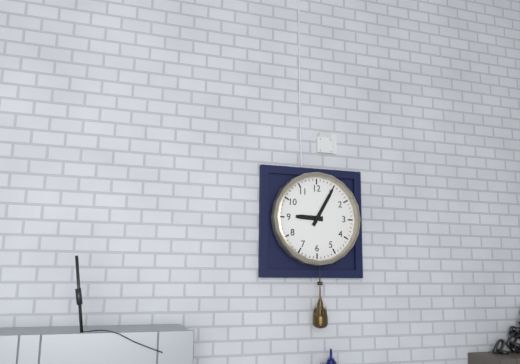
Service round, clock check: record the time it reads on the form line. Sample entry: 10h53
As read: 9h05
